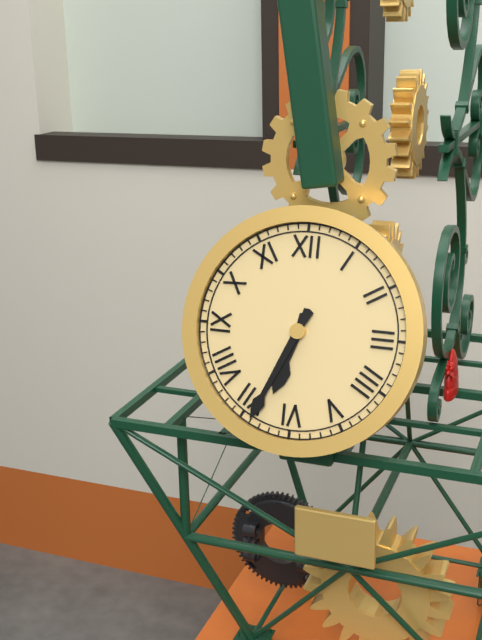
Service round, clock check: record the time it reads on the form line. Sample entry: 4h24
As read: 6h34
